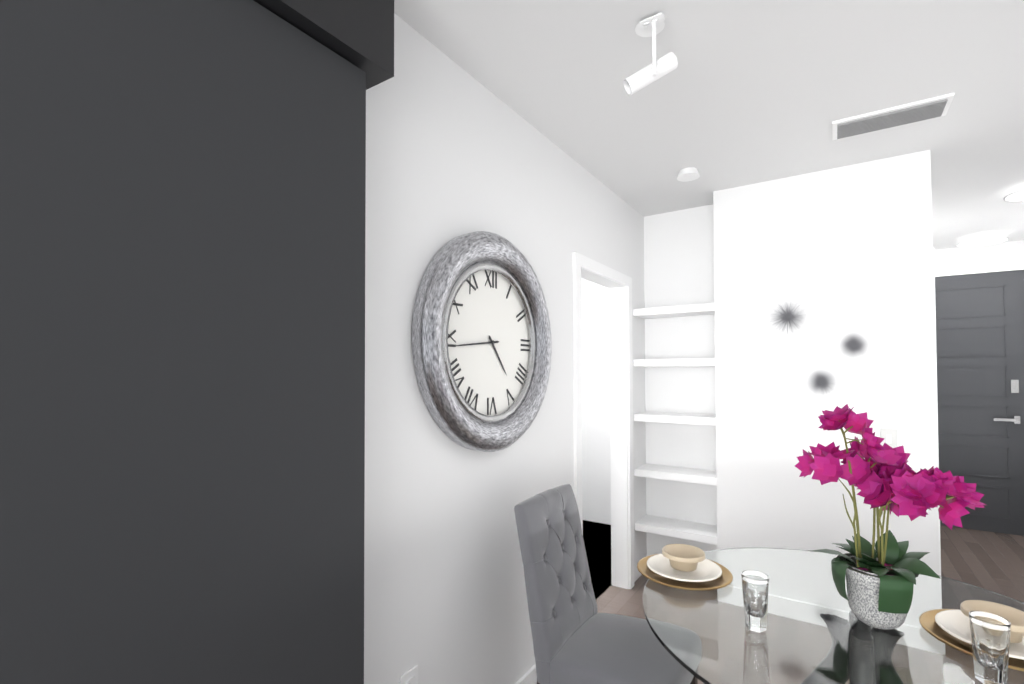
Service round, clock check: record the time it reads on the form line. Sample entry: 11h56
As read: 4h44
